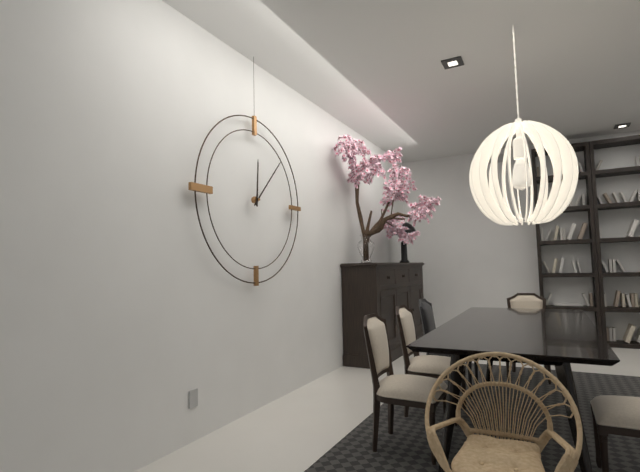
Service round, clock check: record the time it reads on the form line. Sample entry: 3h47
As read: 12h07
